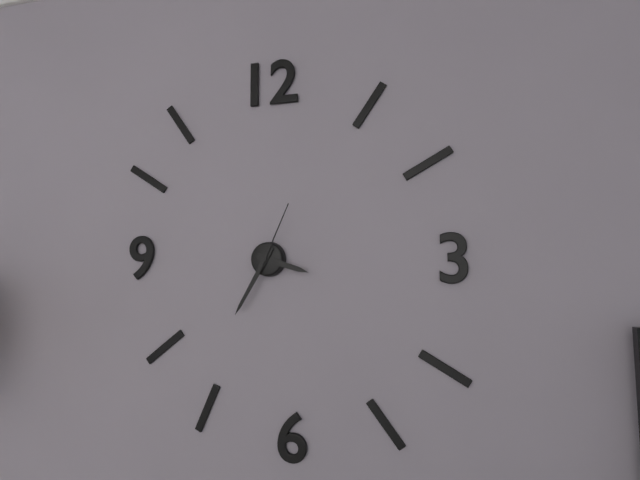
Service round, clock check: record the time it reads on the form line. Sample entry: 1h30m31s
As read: 3h35m04s
